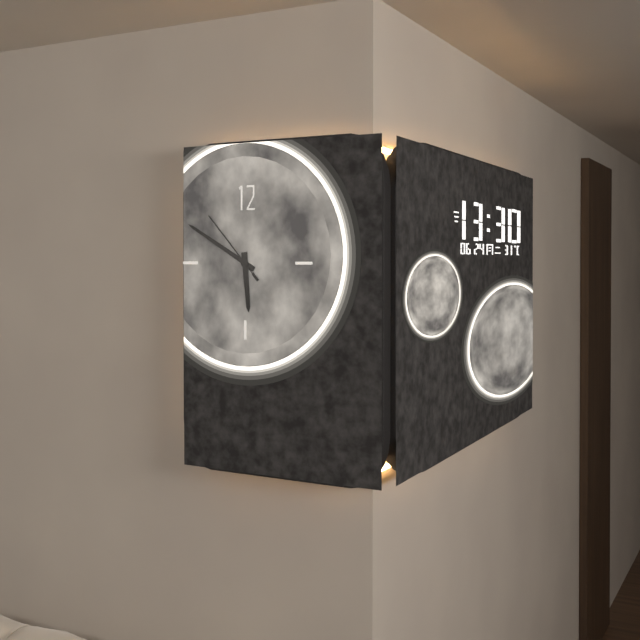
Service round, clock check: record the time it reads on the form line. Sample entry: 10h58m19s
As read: 5h50m53s
